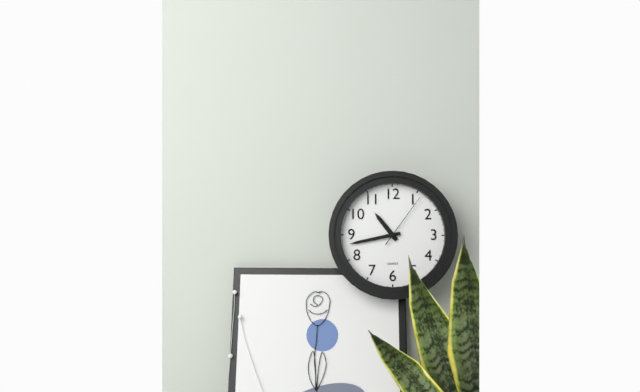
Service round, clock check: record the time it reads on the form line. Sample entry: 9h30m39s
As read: 10h43m06s
